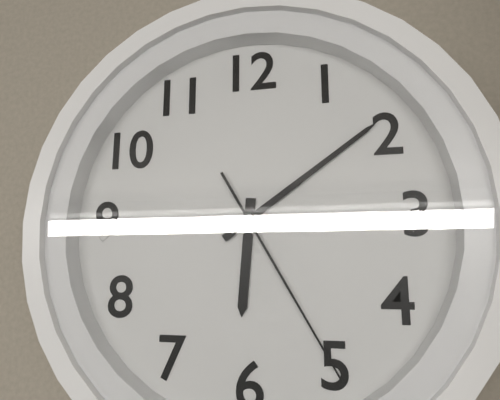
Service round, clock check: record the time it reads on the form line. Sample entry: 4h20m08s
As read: 6h09m25s
